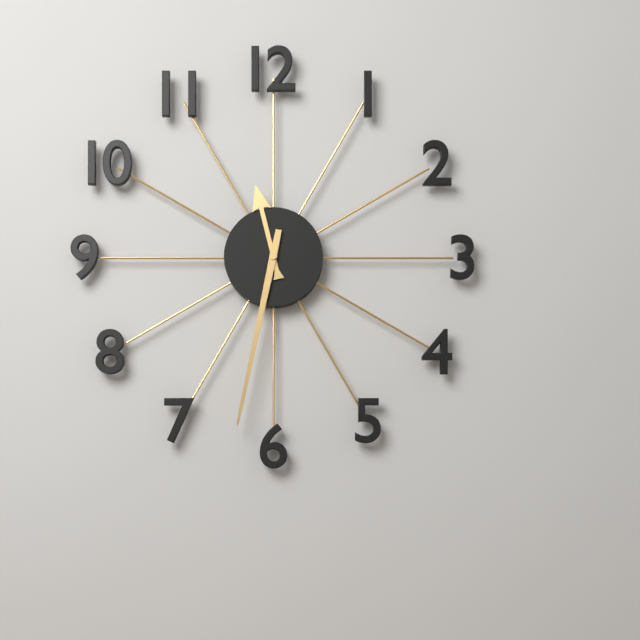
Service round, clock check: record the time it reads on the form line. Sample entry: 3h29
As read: 11h32
